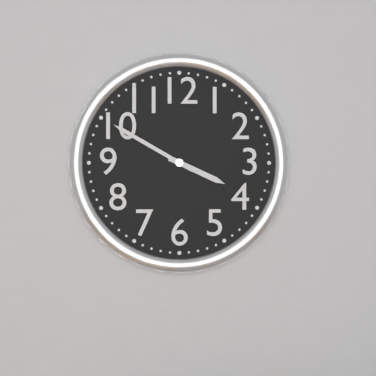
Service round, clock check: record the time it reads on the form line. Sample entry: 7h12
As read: 3h50
